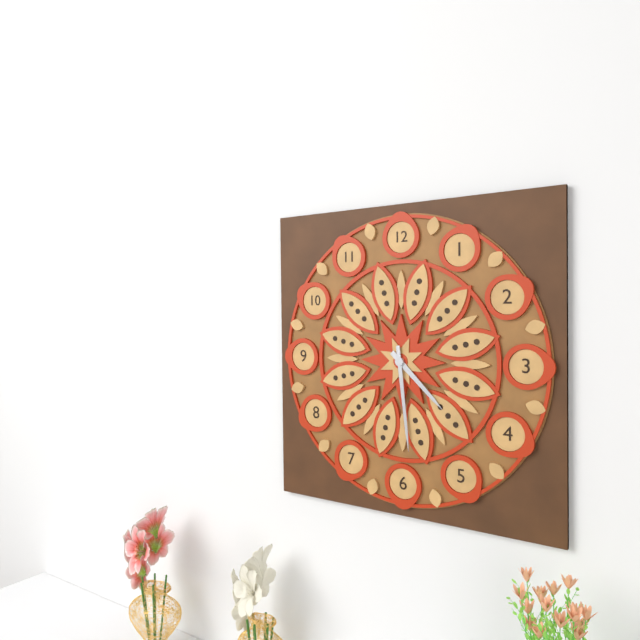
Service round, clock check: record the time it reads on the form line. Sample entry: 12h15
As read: 4h29
